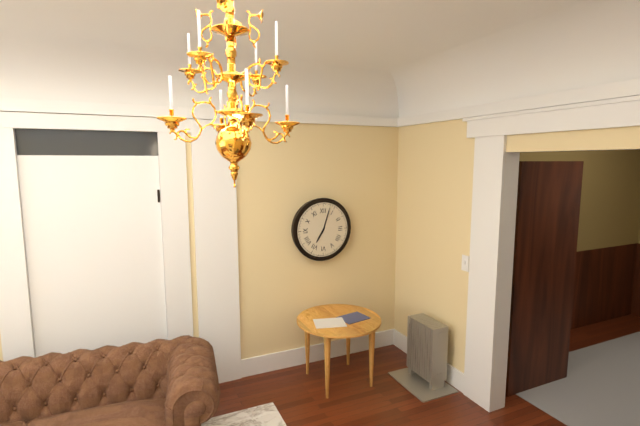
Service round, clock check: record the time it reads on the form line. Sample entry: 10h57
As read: 7h03
